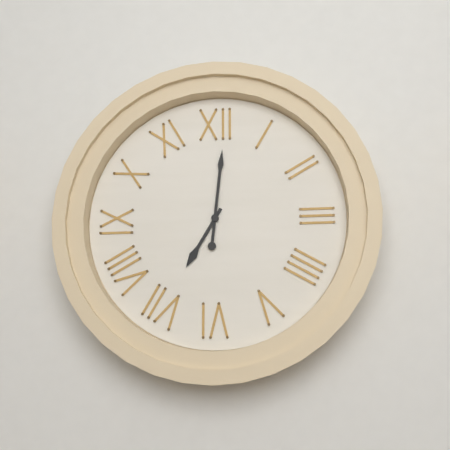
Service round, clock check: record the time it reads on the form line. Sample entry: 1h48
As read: 7h01
